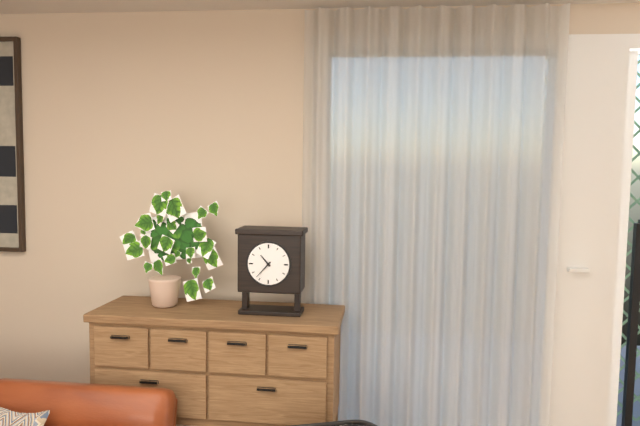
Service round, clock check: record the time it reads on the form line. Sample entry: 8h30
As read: 10h37
